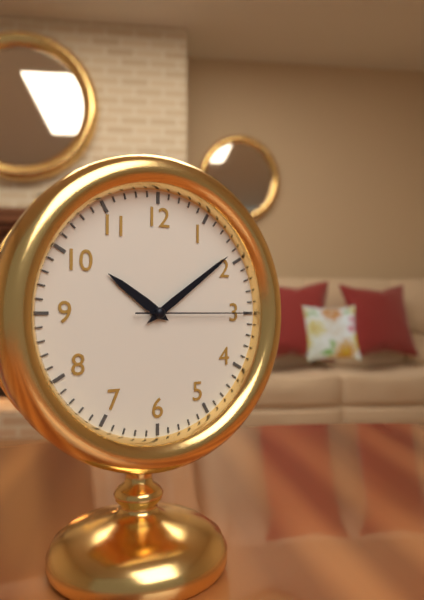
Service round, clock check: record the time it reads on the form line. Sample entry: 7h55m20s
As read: 10h09m15s
